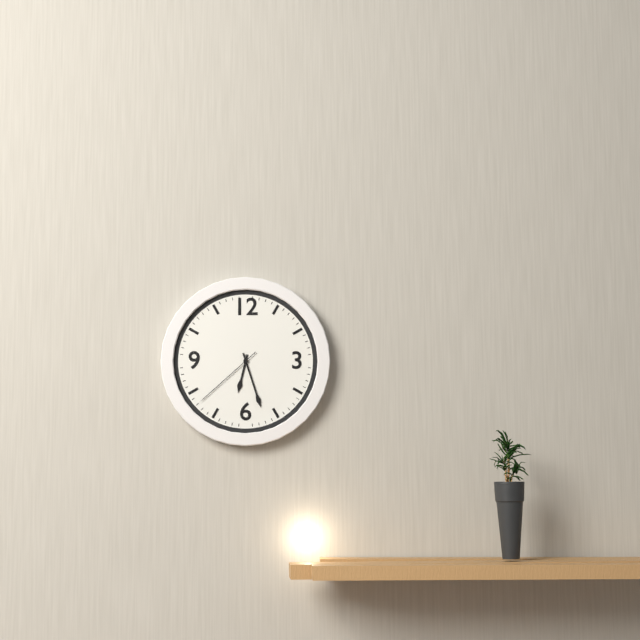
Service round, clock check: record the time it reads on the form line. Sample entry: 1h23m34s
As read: 6h27m38s
